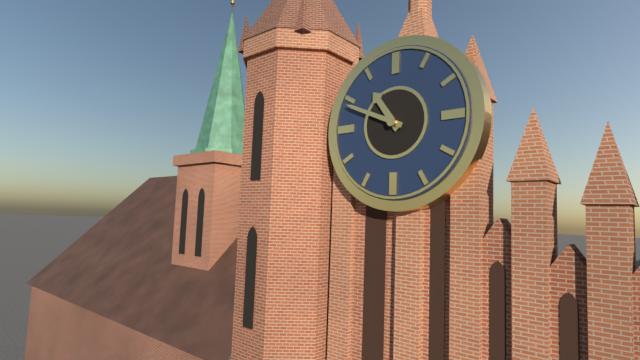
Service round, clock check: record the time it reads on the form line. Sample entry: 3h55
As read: 10h49
